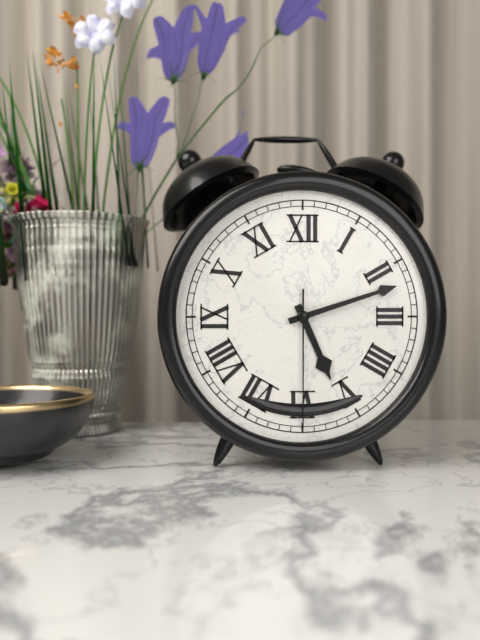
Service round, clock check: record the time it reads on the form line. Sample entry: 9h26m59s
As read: 5h12m30s
